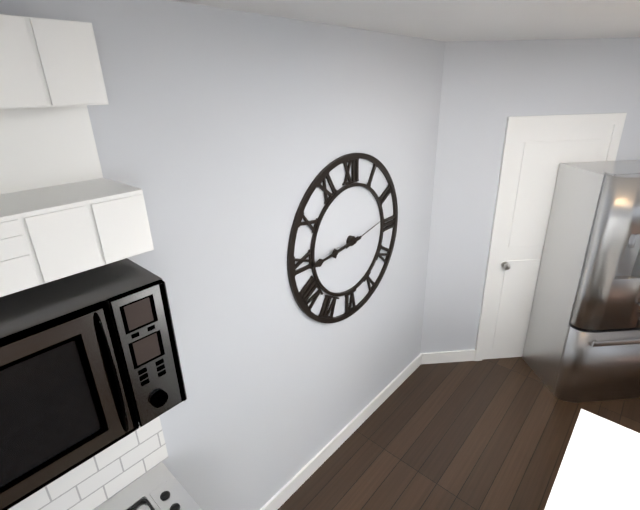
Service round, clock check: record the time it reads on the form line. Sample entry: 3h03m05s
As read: 8h44m13s
